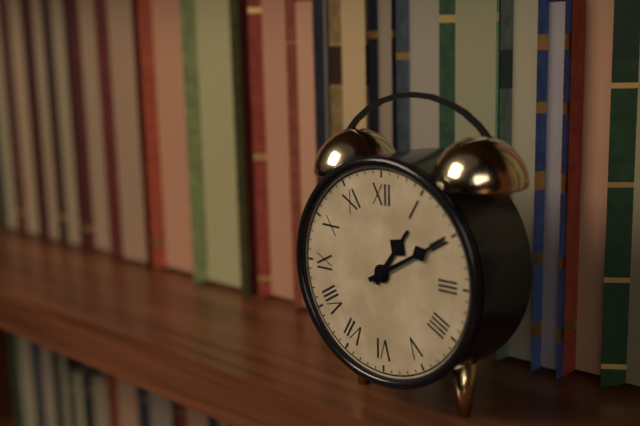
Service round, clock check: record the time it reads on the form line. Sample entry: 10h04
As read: 1h10
